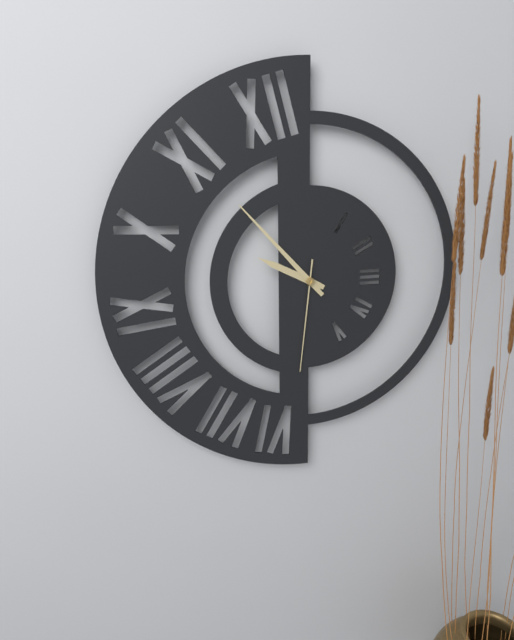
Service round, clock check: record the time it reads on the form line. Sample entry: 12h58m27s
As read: 9h53m31s
